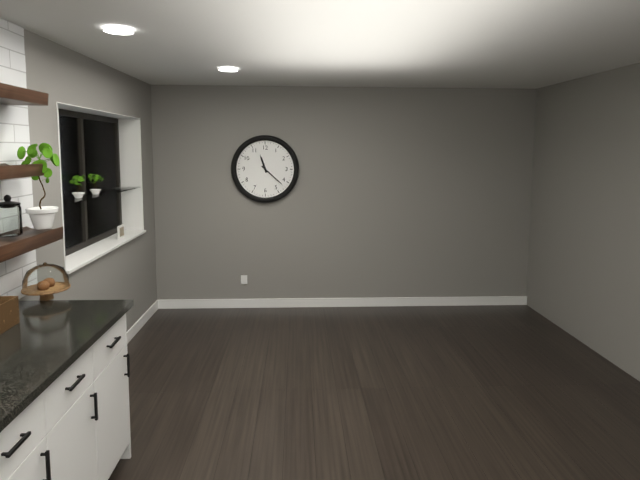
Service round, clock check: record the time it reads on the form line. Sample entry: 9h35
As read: 11h22
